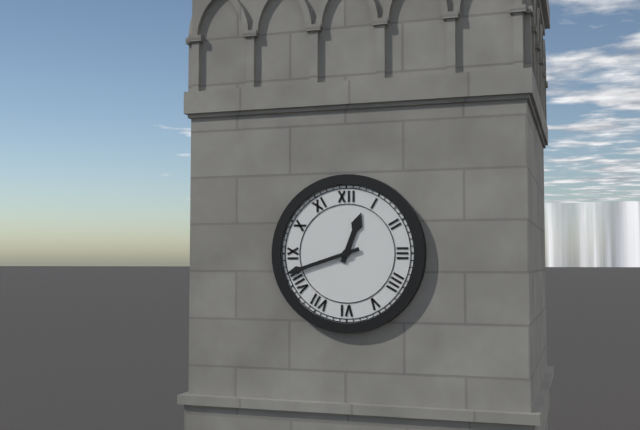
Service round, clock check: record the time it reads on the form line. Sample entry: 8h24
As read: 12h42
